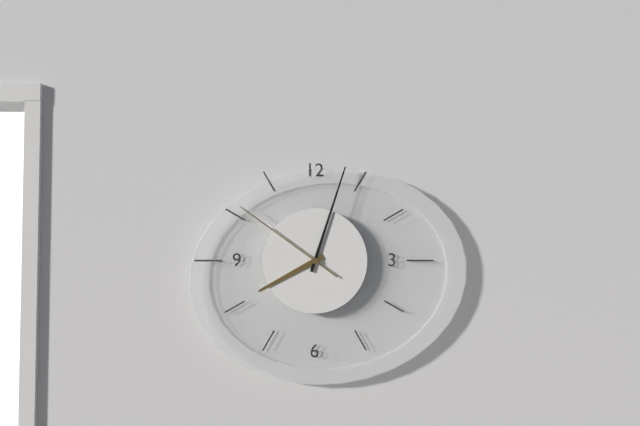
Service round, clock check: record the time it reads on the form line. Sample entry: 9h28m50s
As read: 8h03m51s
